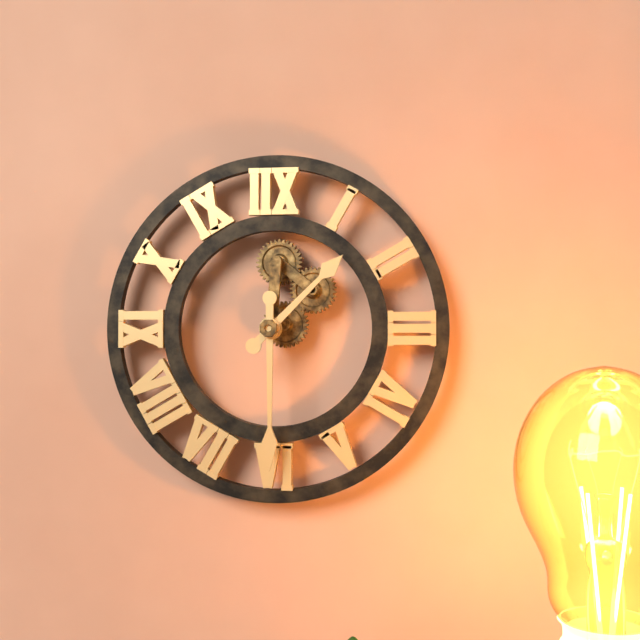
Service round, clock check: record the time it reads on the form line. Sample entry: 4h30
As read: 1h30
